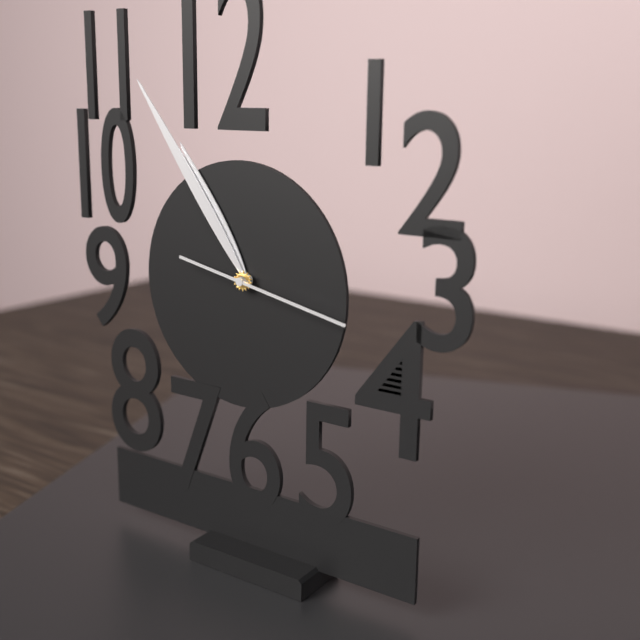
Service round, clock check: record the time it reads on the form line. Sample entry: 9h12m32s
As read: 10h54m17s
